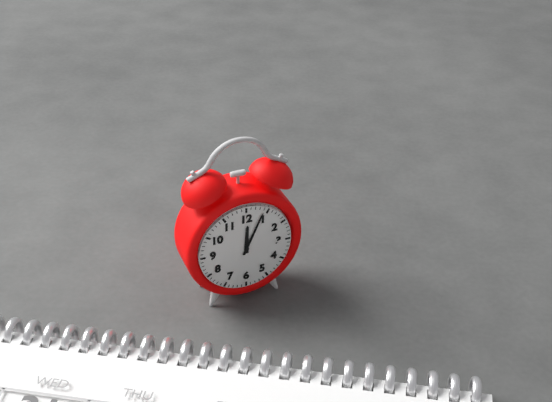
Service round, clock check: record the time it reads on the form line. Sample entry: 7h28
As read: 12h04
